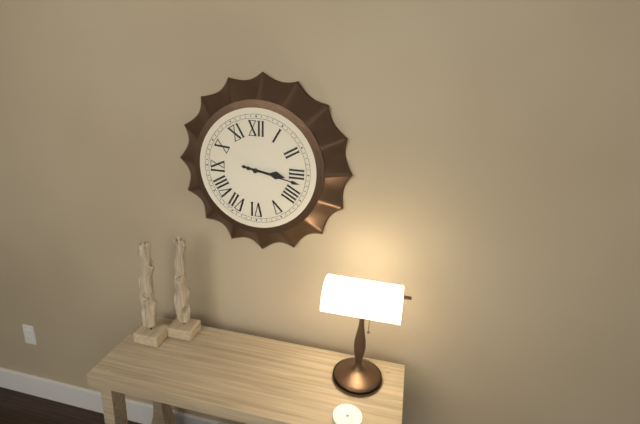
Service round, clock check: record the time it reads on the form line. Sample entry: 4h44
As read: 3h17
